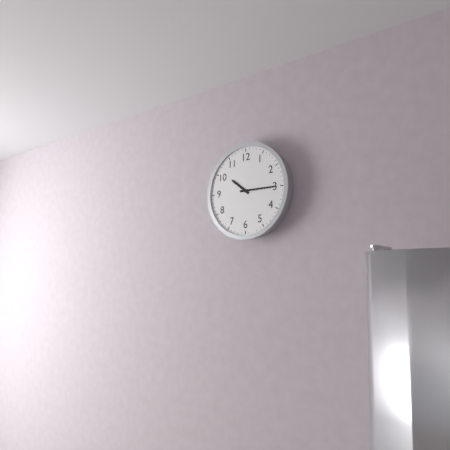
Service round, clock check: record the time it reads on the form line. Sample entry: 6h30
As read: 10h15
